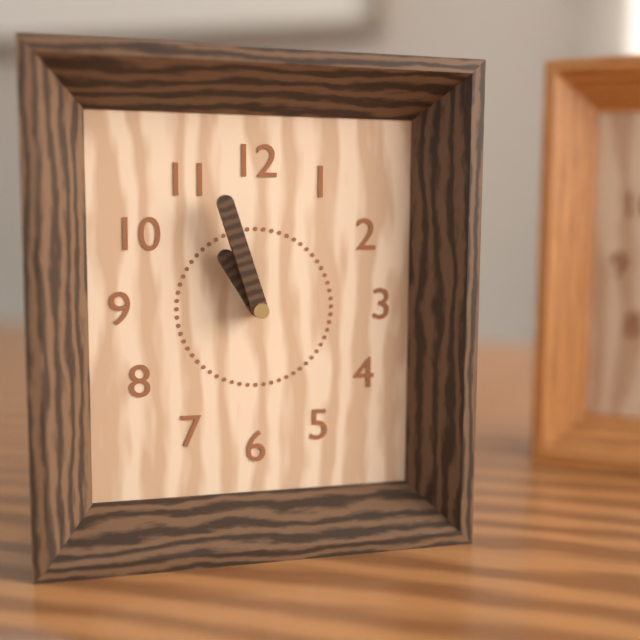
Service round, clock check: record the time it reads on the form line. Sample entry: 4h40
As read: 10h57
